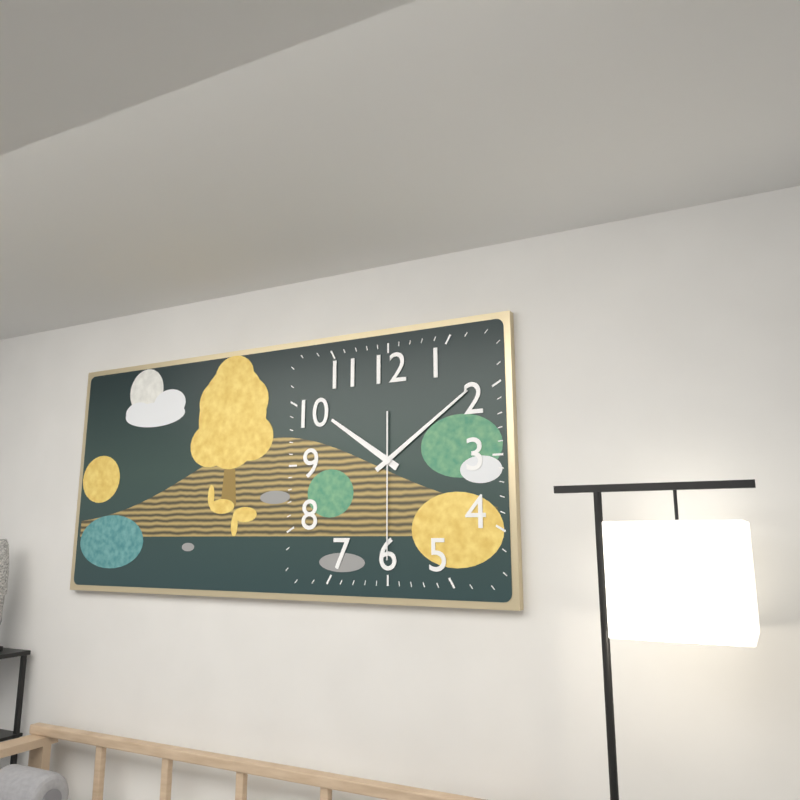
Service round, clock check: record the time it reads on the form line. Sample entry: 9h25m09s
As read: 10h09m30s
